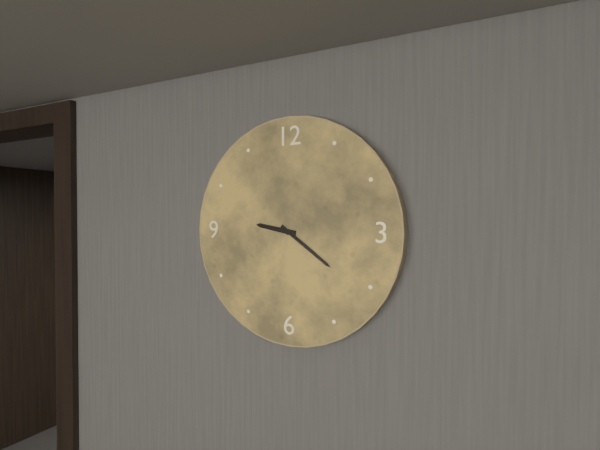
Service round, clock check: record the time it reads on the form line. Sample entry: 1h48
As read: 9h21
